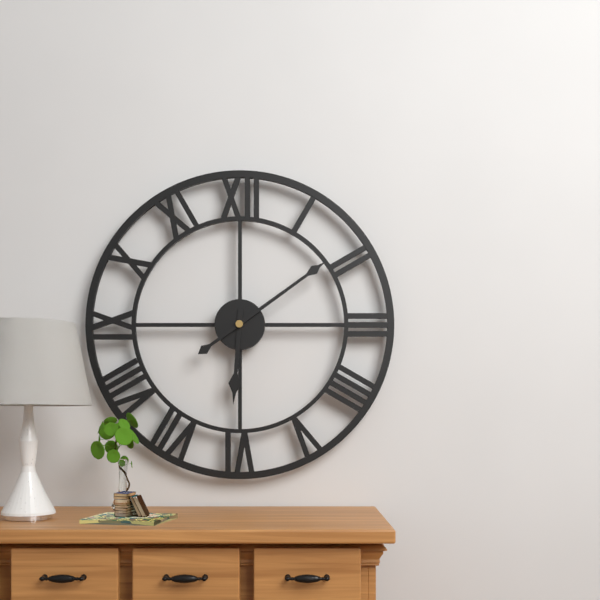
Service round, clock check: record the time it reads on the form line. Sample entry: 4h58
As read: 6h09
